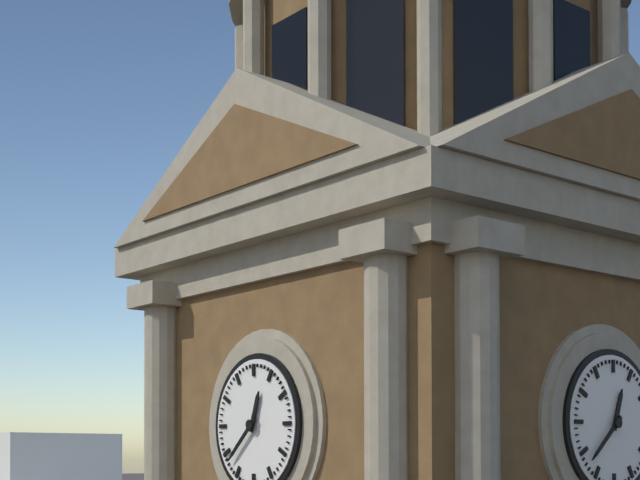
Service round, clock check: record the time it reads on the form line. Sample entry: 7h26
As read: 12h38
